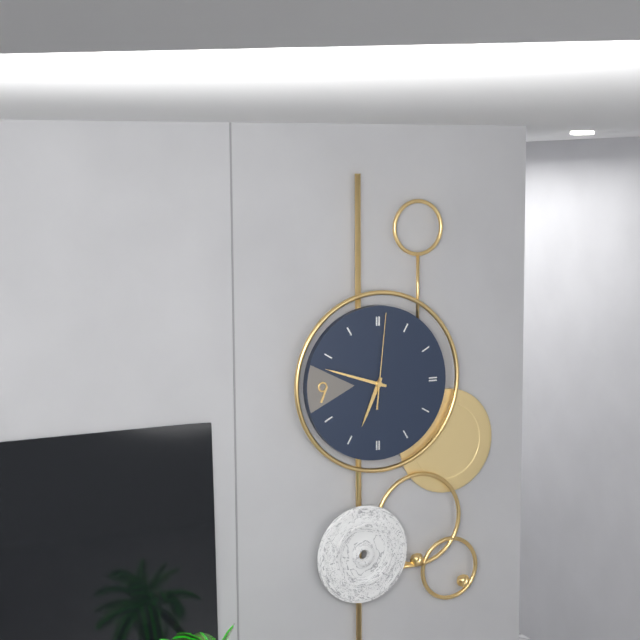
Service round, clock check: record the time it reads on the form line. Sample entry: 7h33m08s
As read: 6h48m01s
